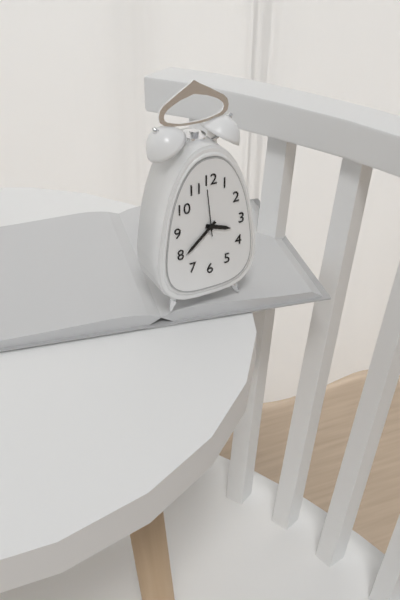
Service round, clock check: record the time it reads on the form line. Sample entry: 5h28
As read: 3h38
